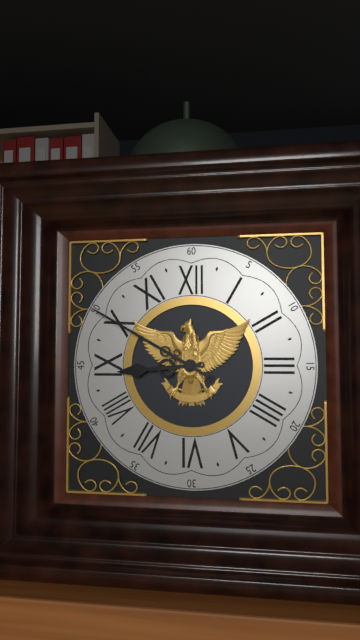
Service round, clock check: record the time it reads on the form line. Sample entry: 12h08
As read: 8h50
